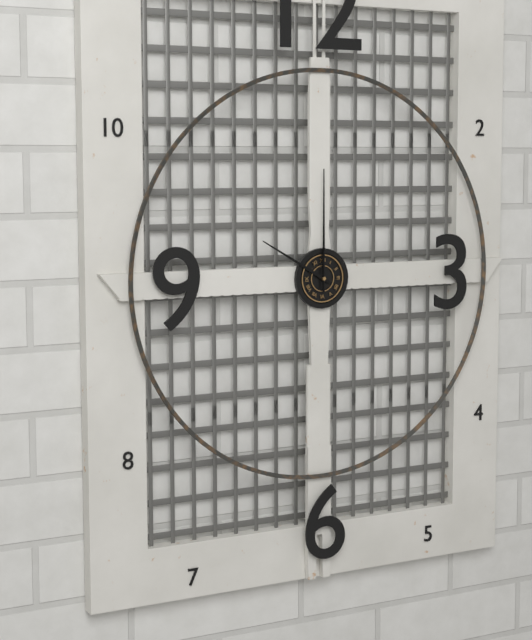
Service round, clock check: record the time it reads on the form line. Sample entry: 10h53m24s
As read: 10h00m00s
